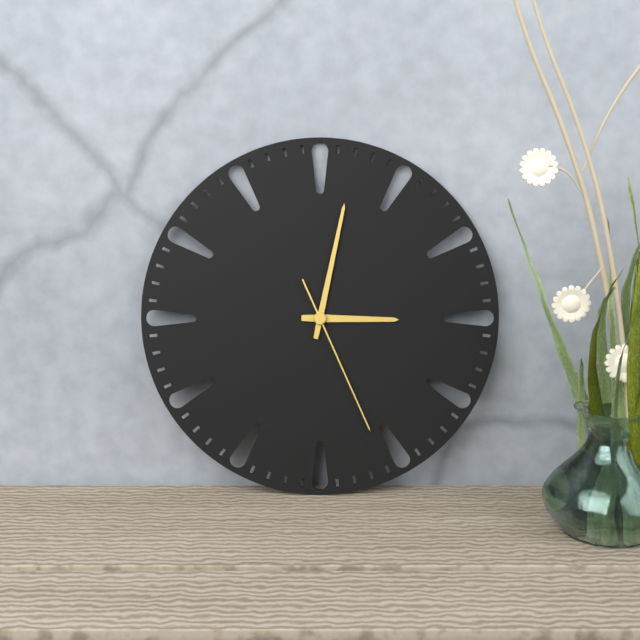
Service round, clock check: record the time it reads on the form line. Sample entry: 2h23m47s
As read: 3h02m26s
